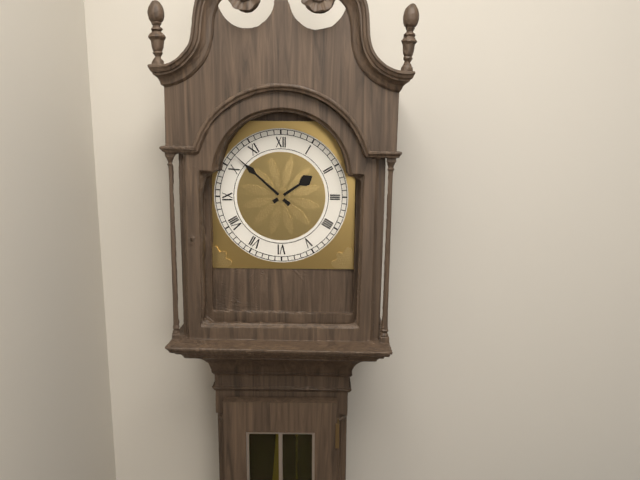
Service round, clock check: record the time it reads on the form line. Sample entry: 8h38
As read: 1h52
